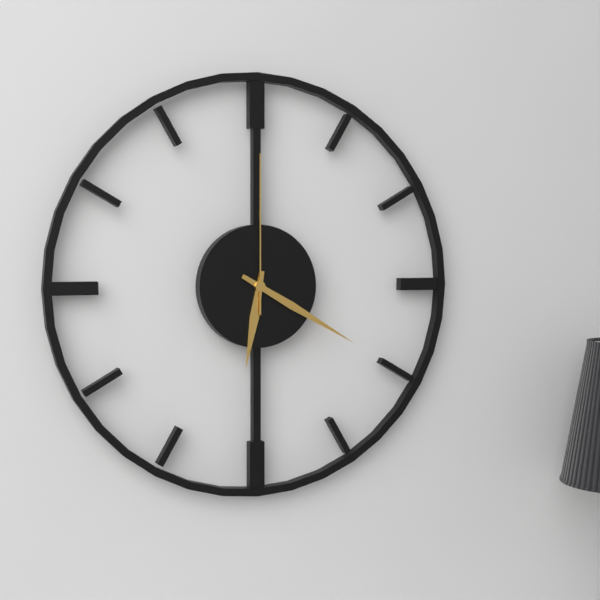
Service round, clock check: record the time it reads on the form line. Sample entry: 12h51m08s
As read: 6h20m00s
